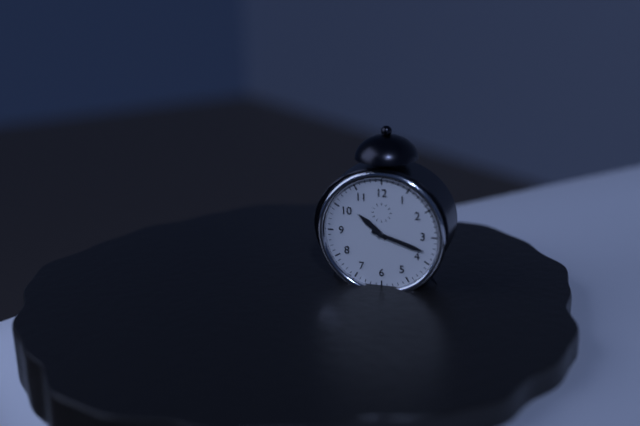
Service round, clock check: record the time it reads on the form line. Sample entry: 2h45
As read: 10h18
